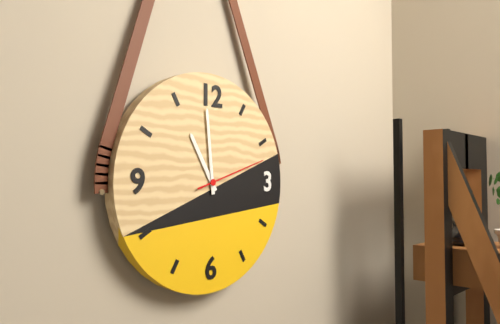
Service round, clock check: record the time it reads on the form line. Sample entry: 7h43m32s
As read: 10h59m12s
